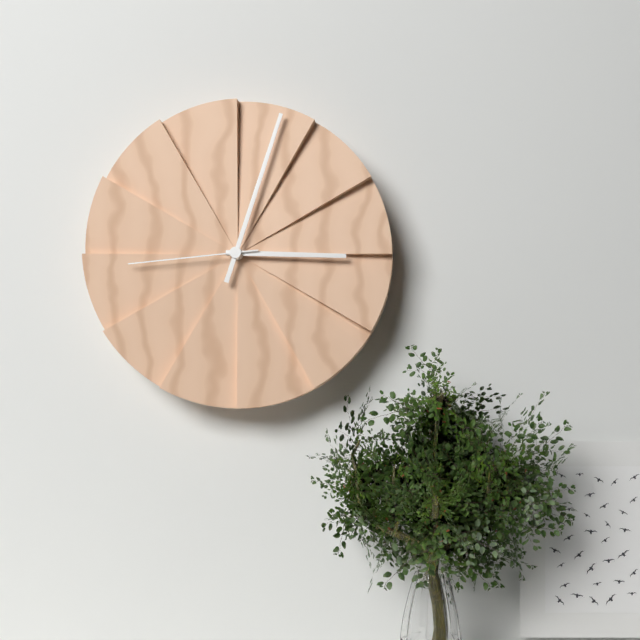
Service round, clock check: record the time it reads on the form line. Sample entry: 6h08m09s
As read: 3h03m44s
